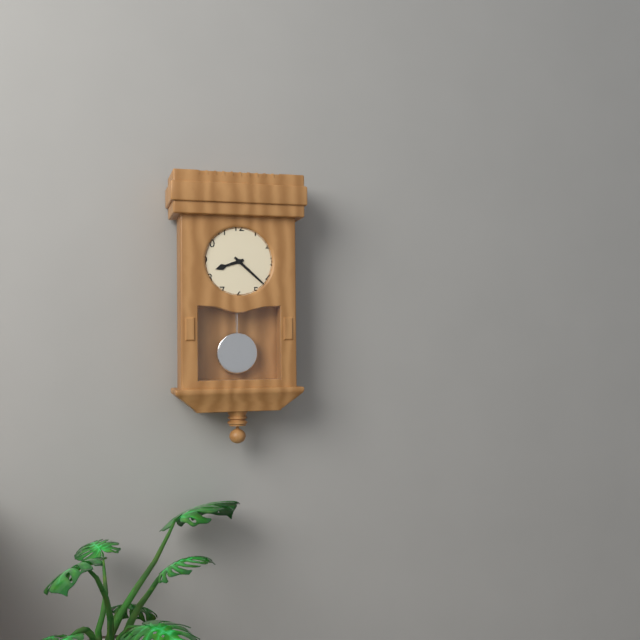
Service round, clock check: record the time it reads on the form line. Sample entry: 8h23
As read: 8h22
